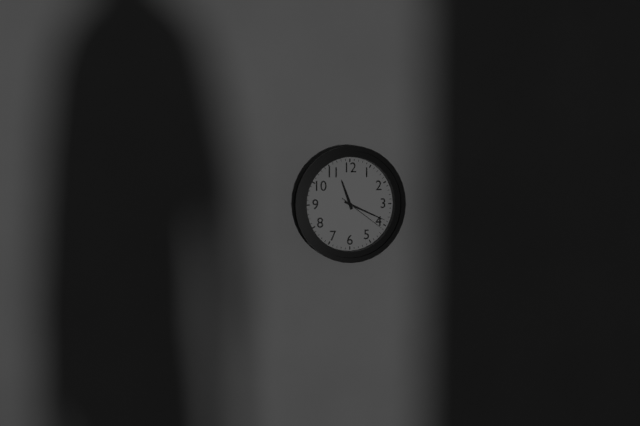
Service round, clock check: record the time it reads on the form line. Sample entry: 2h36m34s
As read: 11h19m21s
